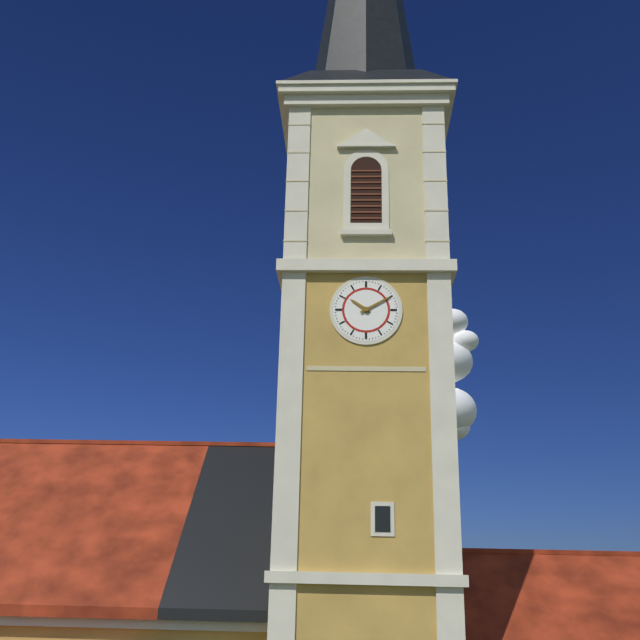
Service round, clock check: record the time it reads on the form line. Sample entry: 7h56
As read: 10h10
